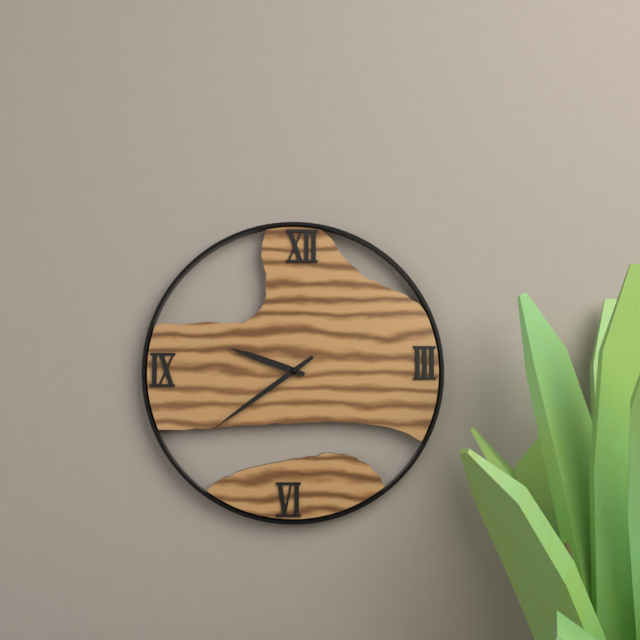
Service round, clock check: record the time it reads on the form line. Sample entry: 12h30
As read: 9h39
